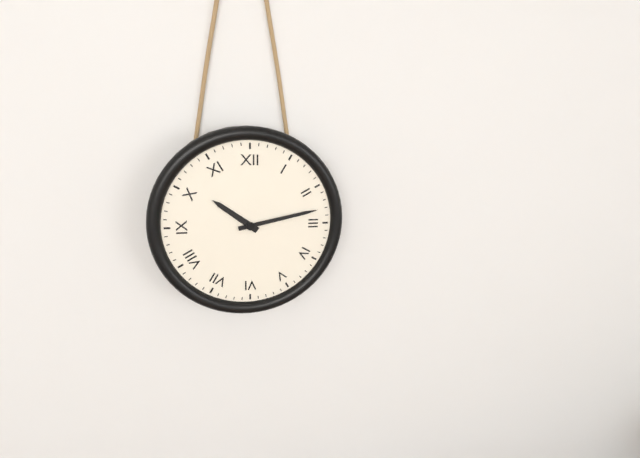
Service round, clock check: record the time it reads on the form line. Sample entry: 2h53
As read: 10h13
